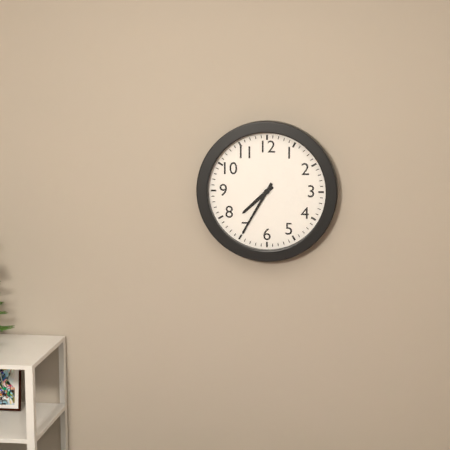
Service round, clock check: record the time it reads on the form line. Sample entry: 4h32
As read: 7h35
